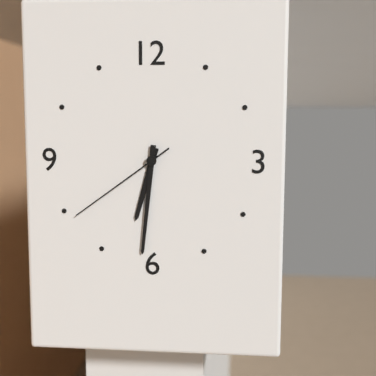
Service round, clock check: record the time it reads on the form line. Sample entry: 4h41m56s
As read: 6h31m39s
